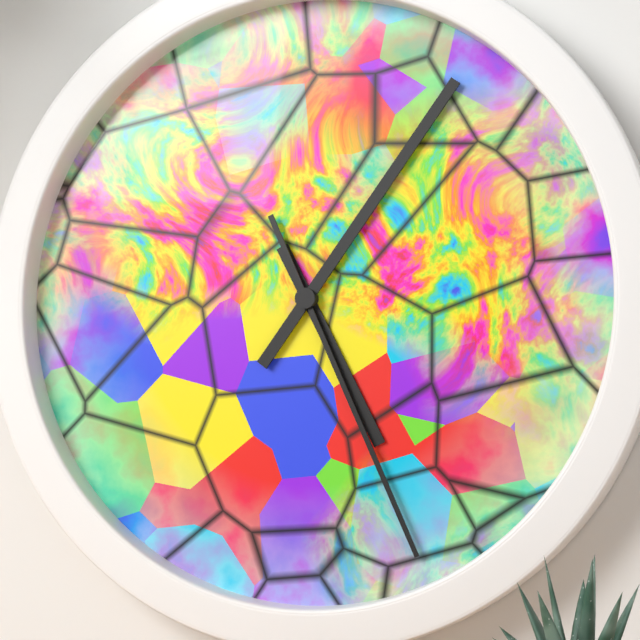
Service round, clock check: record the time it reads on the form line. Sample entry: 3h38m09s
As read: 5h06m26s
